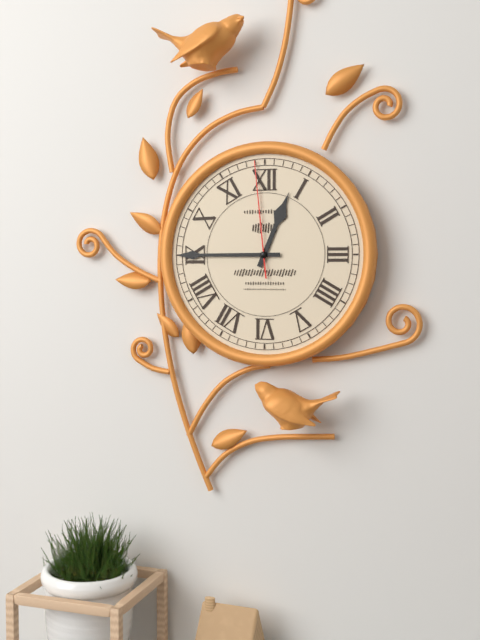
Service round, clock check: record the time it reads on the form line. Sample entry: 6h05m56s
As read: 12h45m59s
